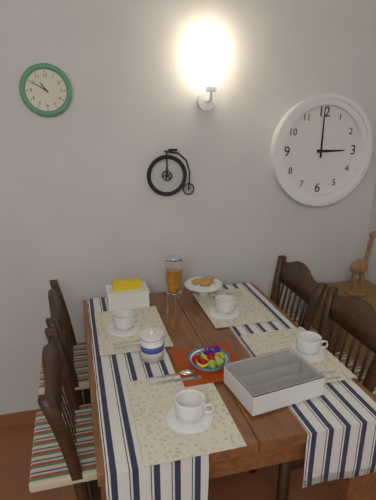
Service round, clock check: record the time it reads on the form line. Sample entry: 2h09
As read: 3h00
